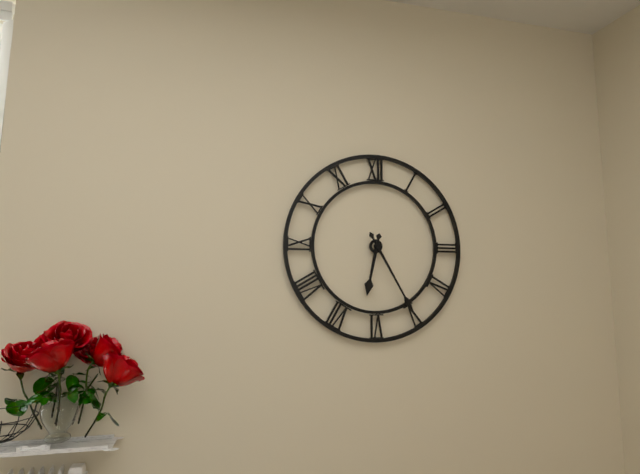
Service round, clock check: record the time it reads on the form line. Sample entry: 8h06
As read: 6h25
